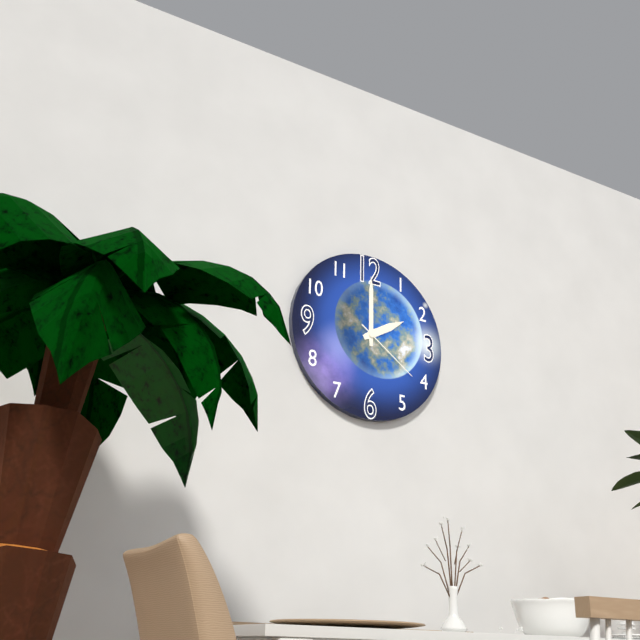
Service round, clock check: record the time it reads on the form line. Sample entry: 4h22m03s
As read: 2h00m21s
